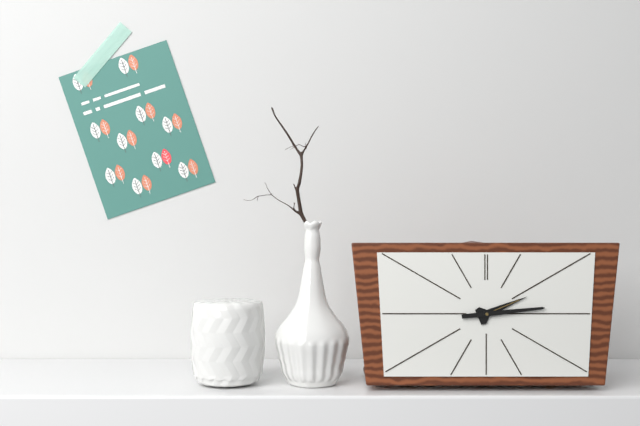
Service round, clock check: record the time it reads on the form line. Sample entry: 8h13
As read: 2h14
